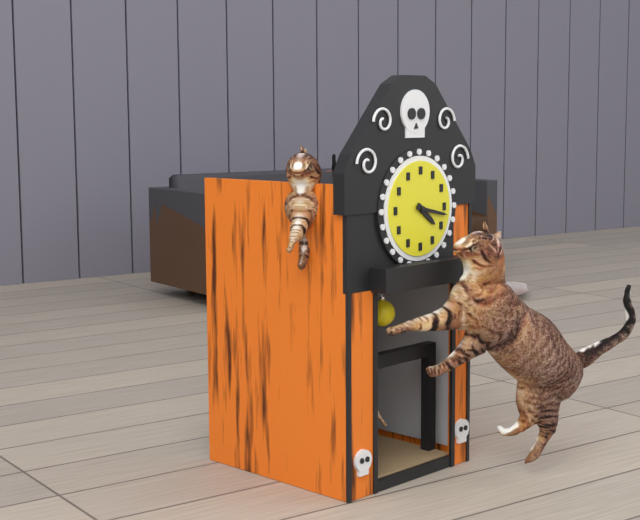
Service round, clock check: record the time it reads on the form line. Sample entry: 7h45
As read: 4h17
